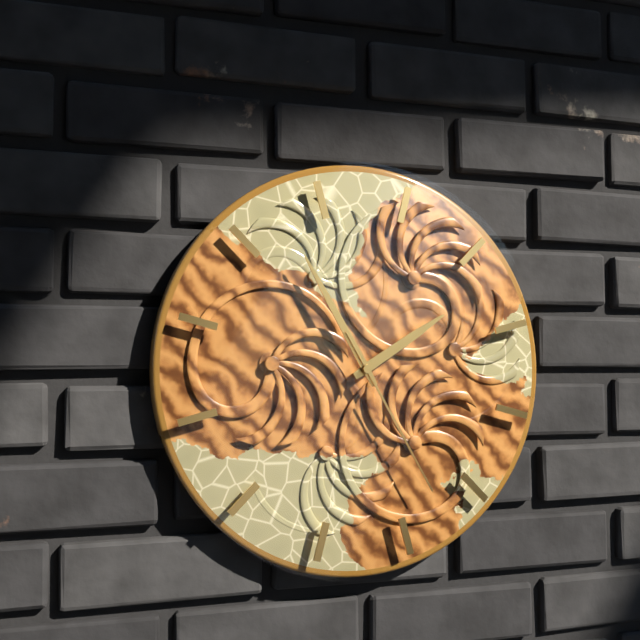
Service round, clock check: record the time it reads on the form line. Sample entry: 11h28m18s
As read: 1h55m25s
